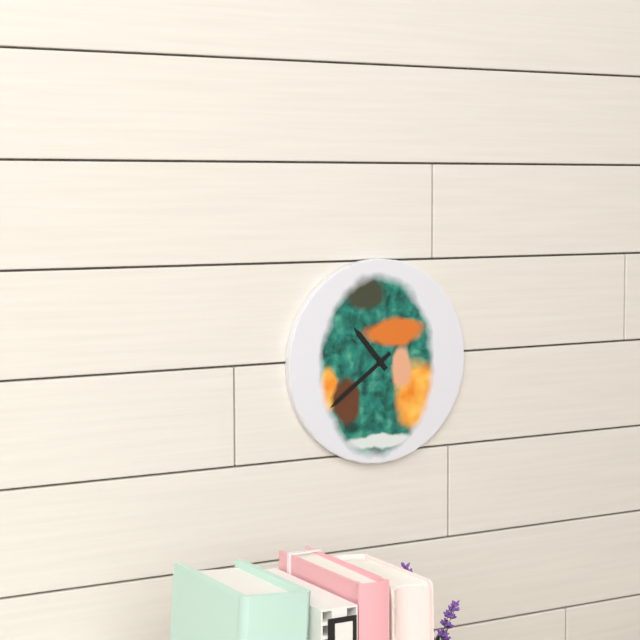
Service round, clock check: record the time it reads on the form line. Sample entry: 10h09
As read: 10h39
